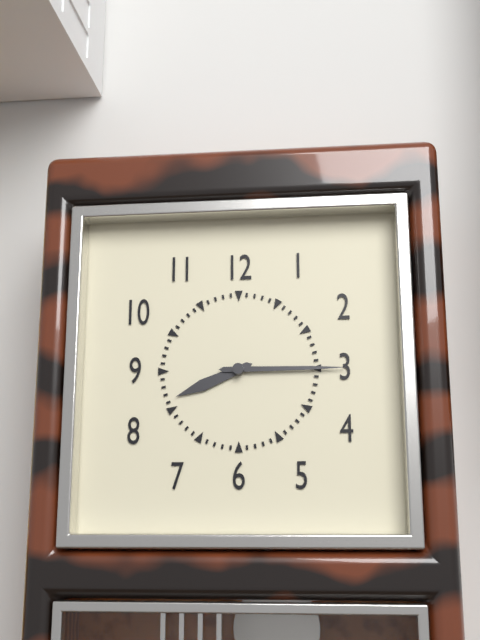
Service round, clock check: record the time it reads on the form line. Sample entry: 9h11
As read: 8h15
